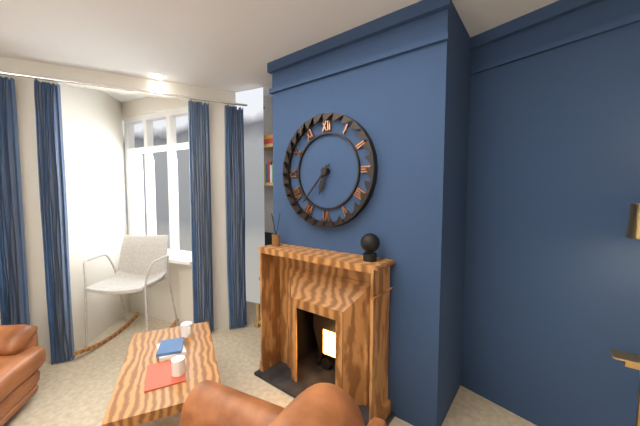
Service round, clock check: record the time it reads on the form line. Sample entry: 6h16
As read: 6h37
